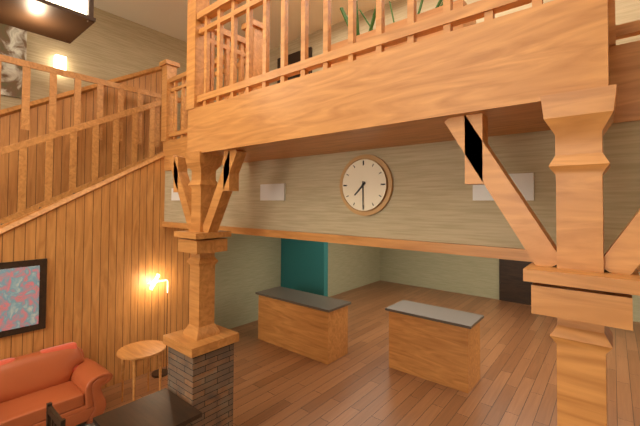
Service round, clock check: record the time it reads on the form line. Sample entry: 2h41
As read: 7h30
